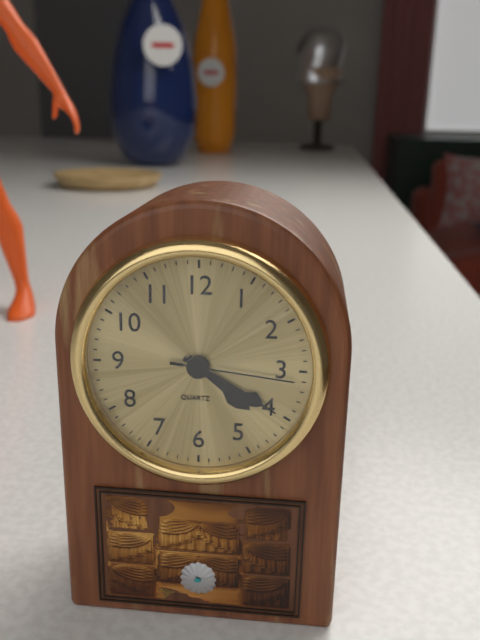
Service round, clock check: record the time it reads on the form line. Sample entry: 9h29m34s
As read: 4h20m16s
